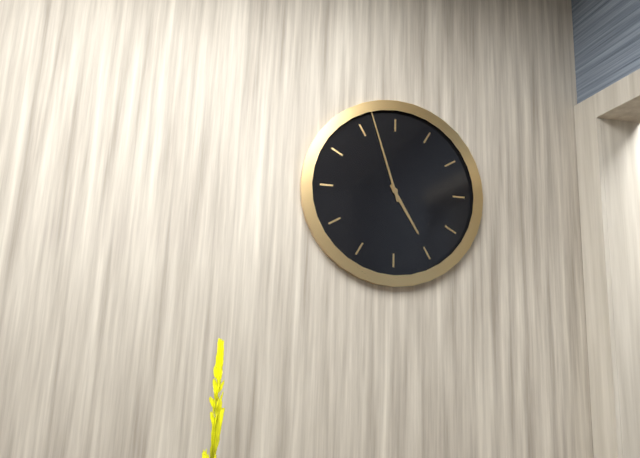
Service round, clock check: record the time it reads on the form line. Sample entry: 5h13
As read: 4h57
